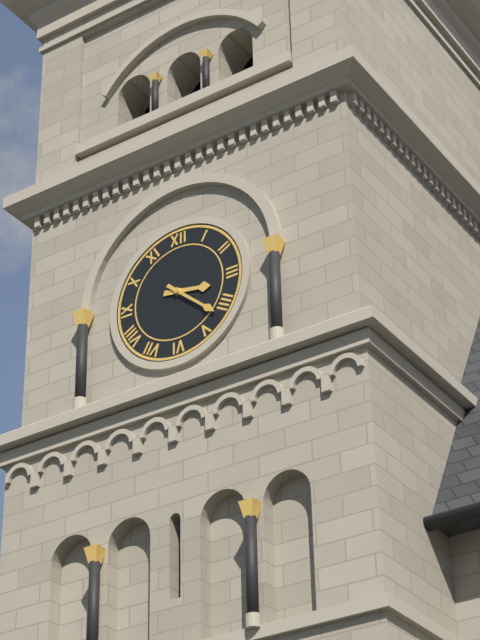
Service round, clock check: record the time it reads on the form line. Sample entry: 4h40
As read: 3h22
